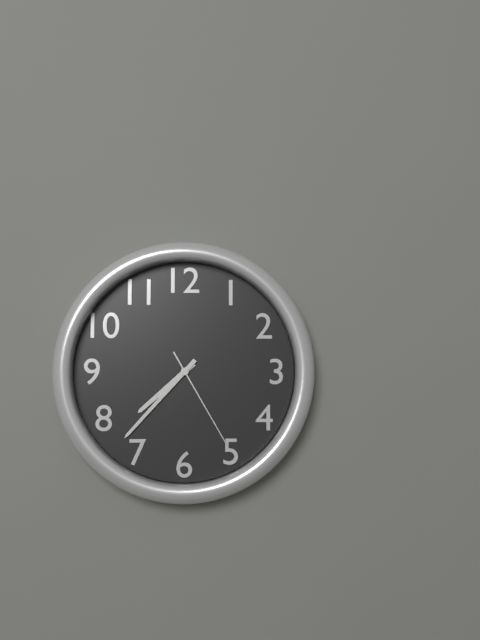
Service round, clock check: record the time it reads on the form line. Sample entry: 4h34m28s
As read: 7h37m25s
